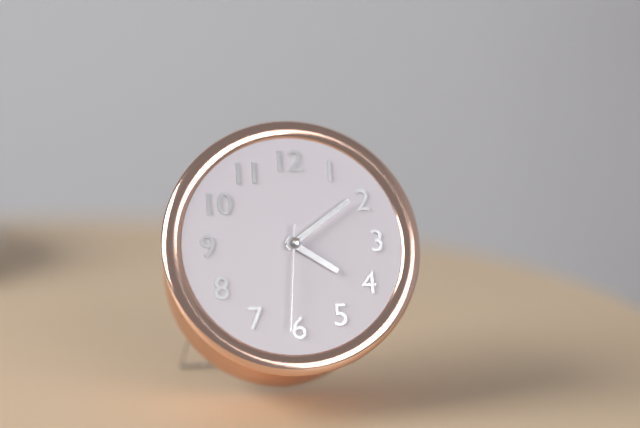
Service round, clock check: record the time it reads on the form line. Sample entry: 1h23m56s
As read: 4h09m31s
